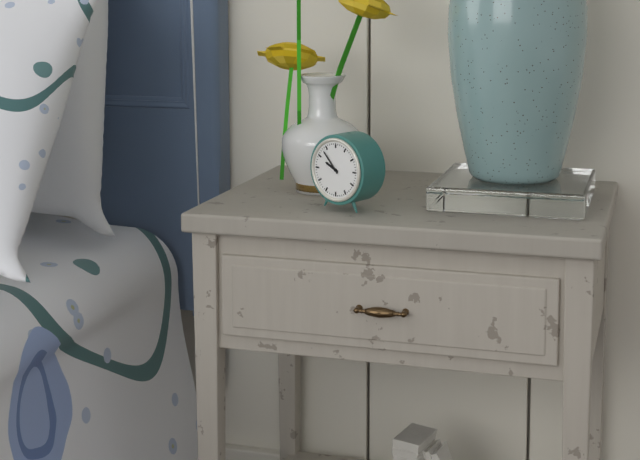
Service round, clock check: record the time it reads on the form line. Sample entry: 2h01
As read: 9h53
